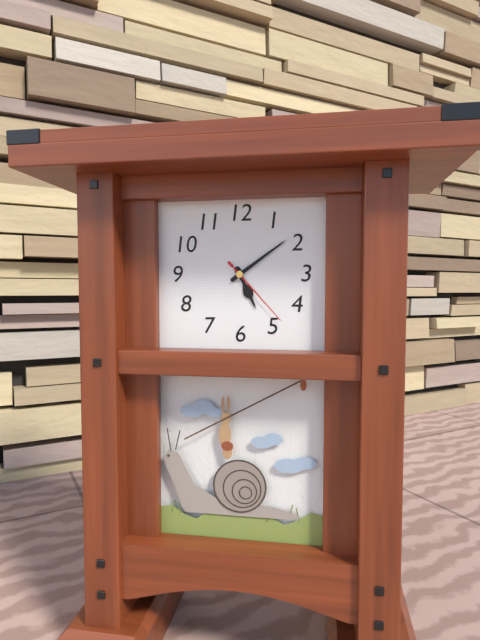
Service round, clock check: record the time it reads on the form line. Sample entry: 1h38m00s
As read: 5h09m23s
